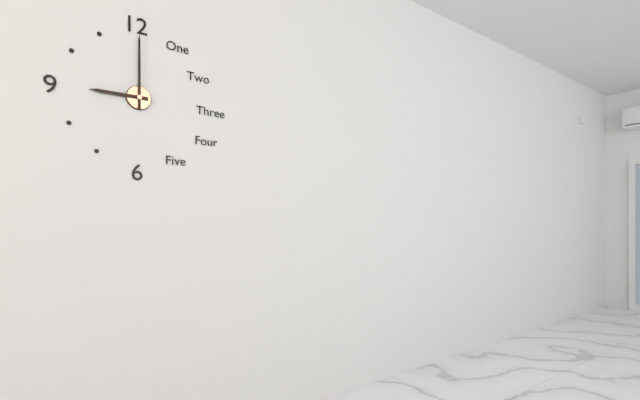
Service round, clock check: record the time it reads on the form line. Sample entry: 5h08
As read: 9h00
